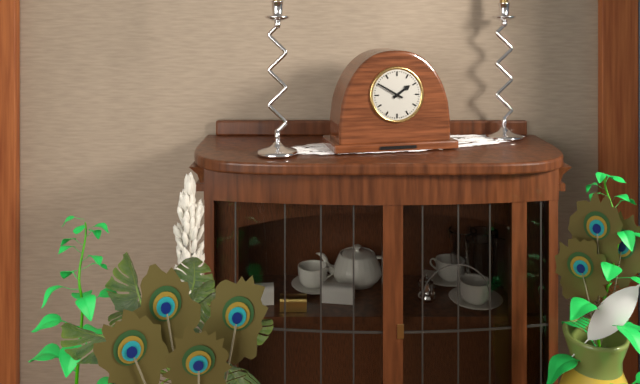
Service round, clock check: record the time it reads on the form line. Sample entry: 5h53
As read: 1h50
